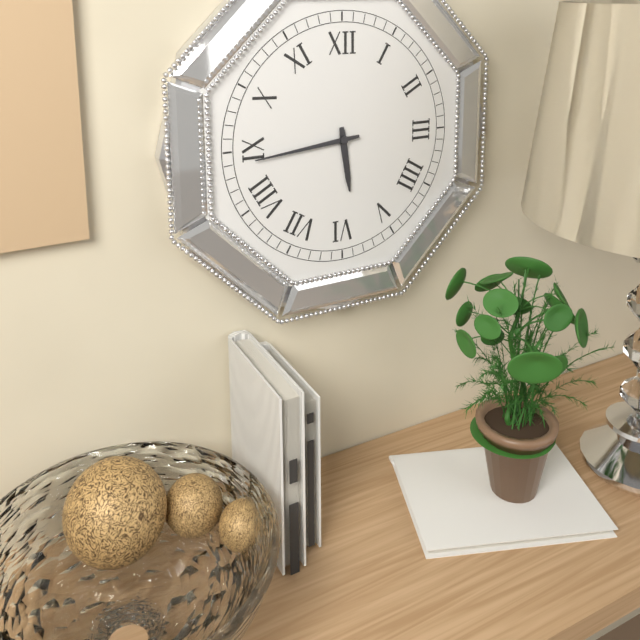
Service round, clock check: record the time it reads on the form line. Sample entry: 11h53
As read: 5h44
